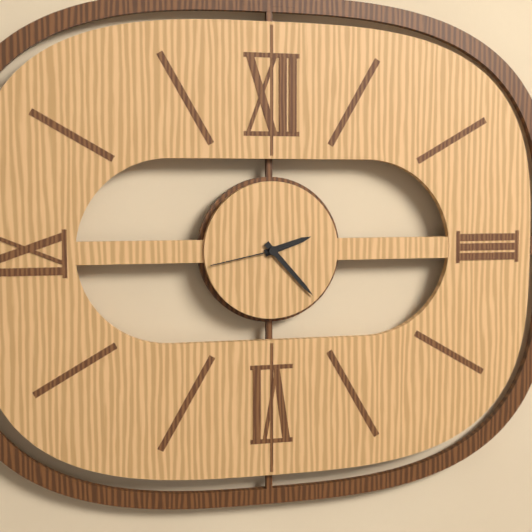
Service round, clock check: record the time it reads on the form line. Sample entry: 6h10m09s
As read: 2h23m43s
